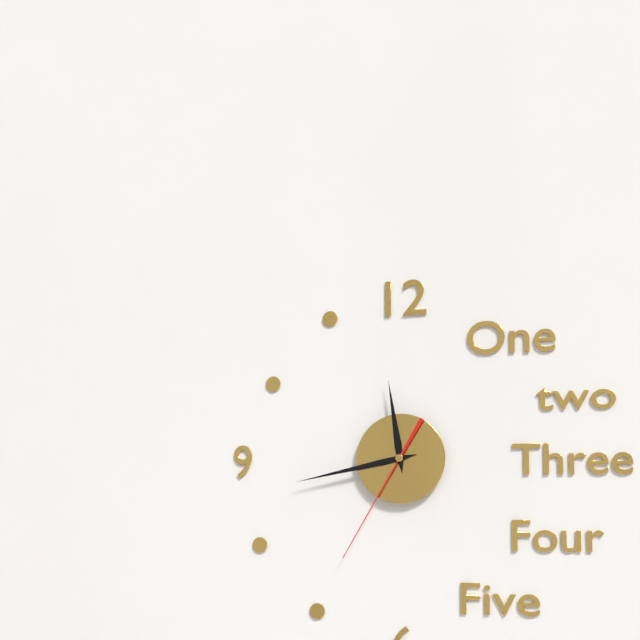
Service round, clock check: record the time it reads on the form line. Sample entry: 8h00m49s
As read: 11h43m35s
